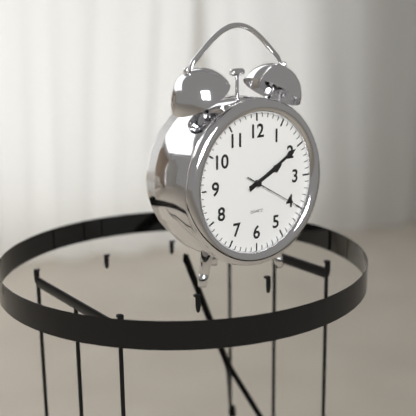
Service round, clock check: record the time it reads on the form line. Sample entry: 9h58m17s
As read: 2h10m20s
